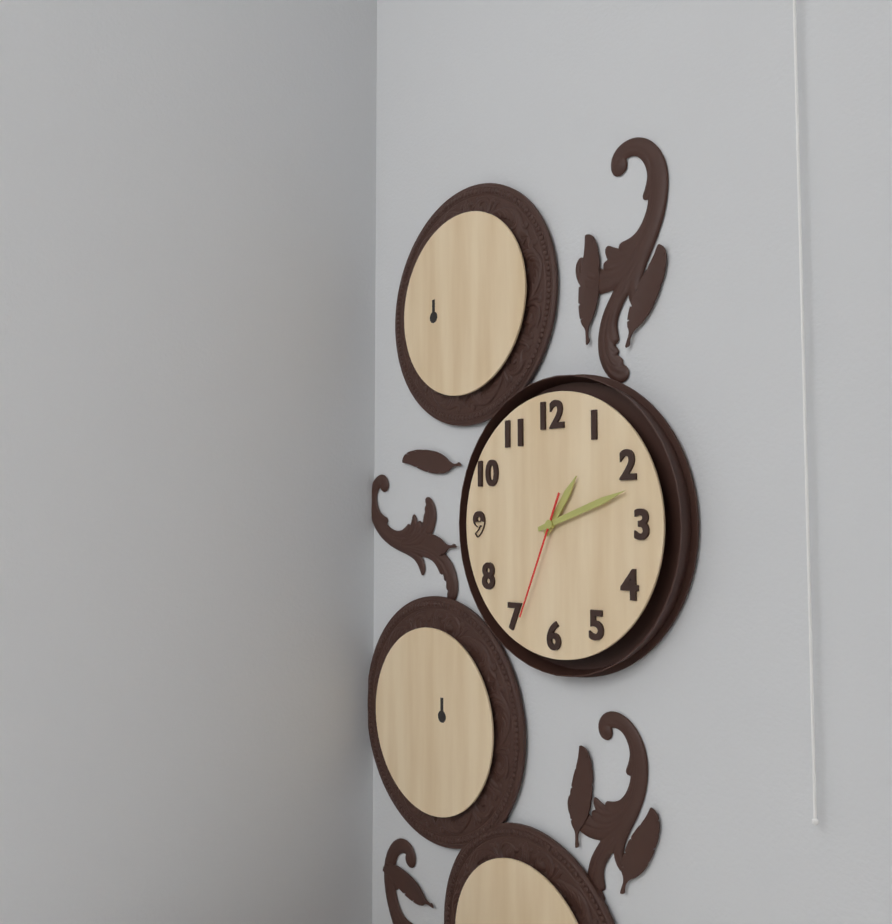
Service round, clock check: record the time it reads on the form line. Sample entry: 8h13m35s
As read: 1h12m34s
